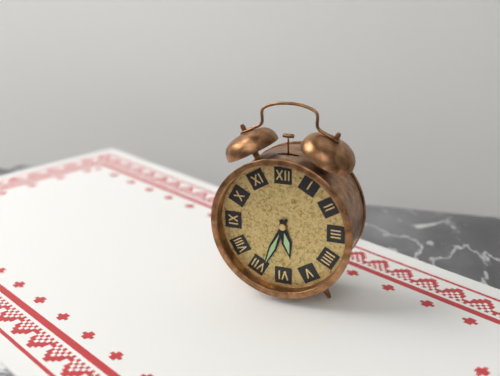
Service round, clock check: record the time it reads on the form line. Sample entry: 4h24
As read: 5h34
